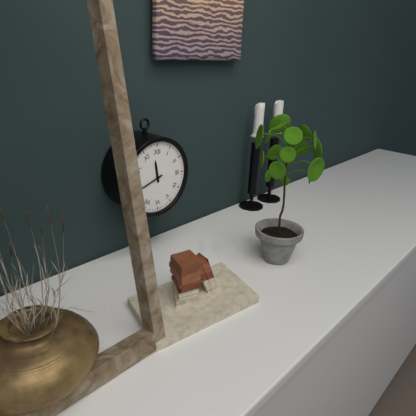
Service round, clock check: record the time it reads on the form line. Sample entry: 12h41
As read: 11h42
